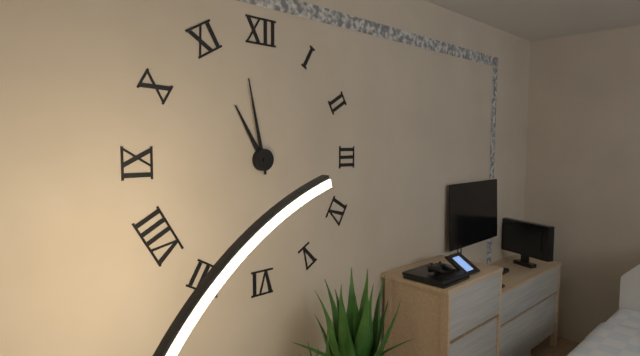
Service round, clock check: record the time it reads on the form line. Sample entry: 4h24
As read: 10h58
